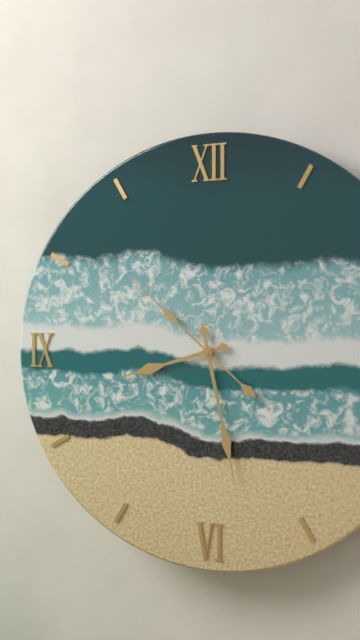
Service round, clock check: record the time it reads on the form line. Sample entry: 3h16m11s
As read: 8h28m52s
